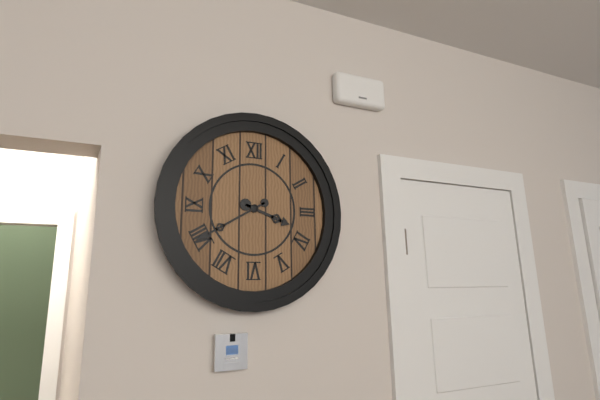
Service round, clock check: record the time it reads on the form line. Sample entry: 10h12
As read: 3h40
